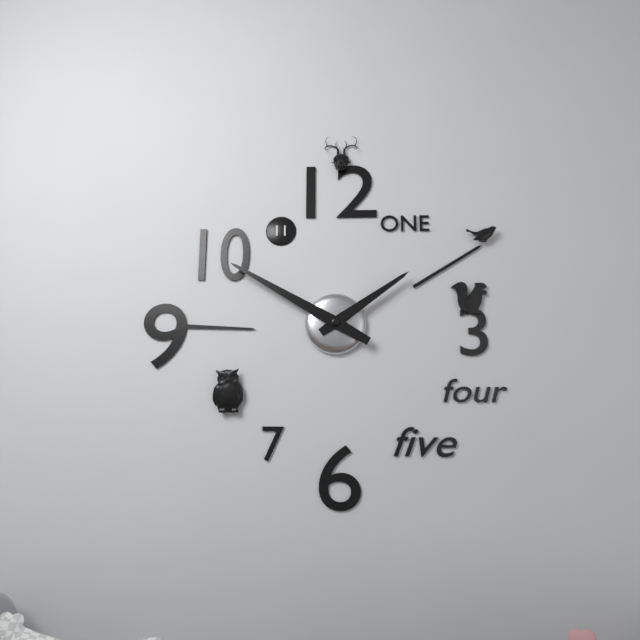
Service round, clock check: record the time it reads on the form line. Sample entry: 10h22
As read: 1h50
